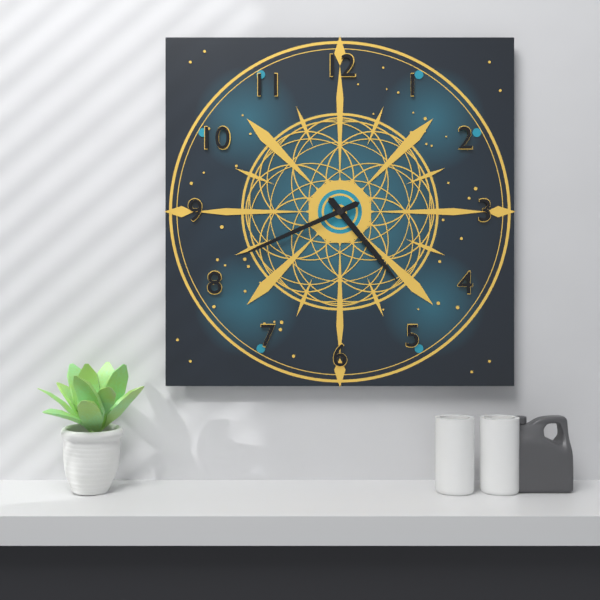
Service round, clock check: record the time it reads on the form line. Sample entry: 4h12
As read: 4h41
